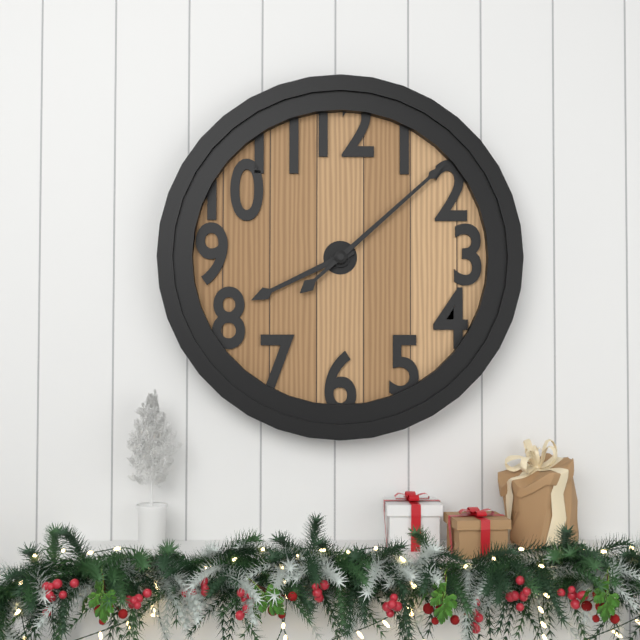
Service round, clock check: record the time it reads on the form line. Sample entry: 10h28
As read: 8h08
